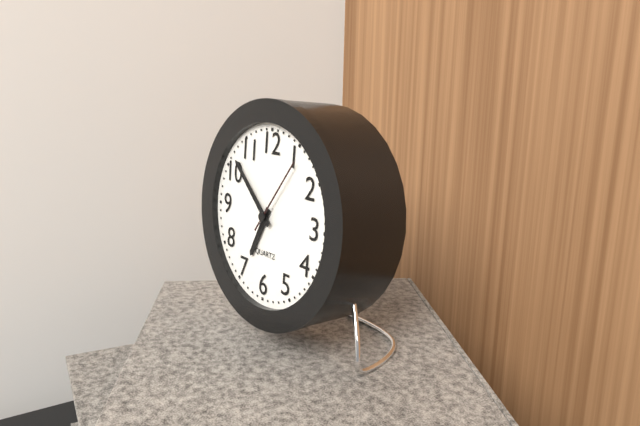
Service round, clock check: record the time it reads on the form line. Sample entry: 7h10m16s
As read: 6h52m06s
